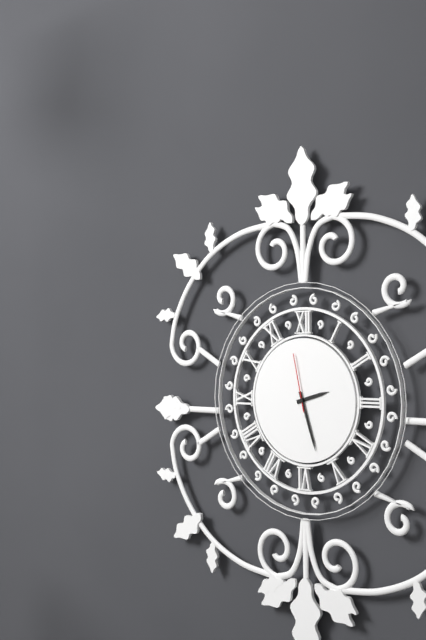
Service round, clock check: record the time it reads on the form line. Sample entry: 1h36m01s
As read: 2h27m58s
